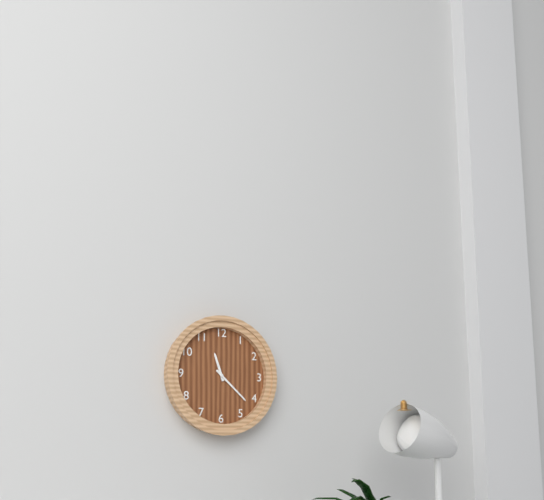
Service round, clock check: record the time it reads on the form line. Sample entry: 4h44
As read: 11h22
